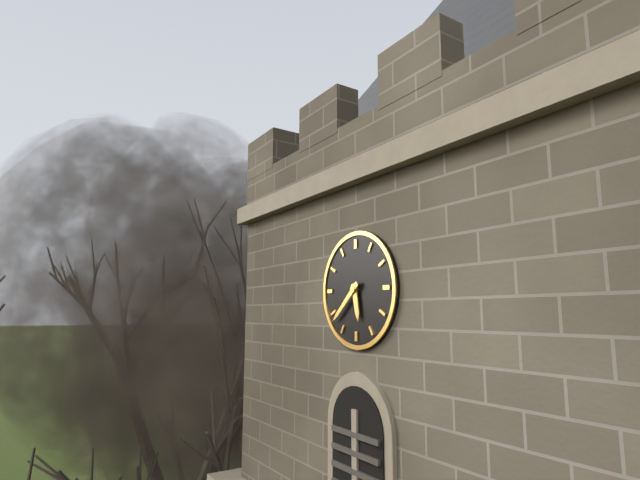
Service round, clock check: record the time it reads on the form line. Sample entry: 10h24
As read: 5h38
